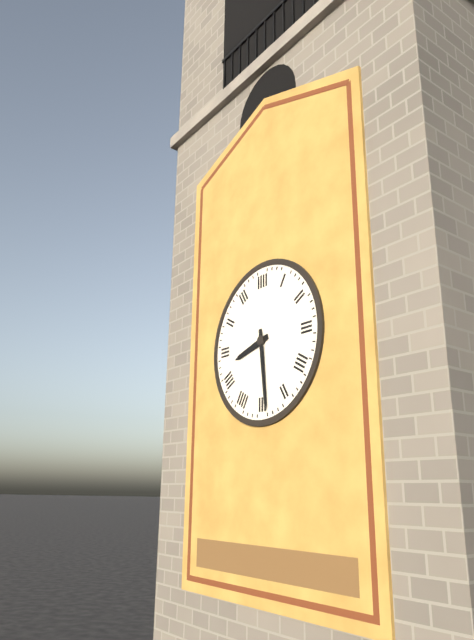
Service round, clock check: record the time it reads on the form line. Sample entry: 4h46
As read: 8h29
